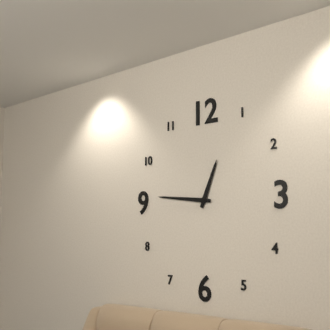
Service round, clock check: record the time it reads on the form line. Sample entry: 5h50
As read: 12h46
